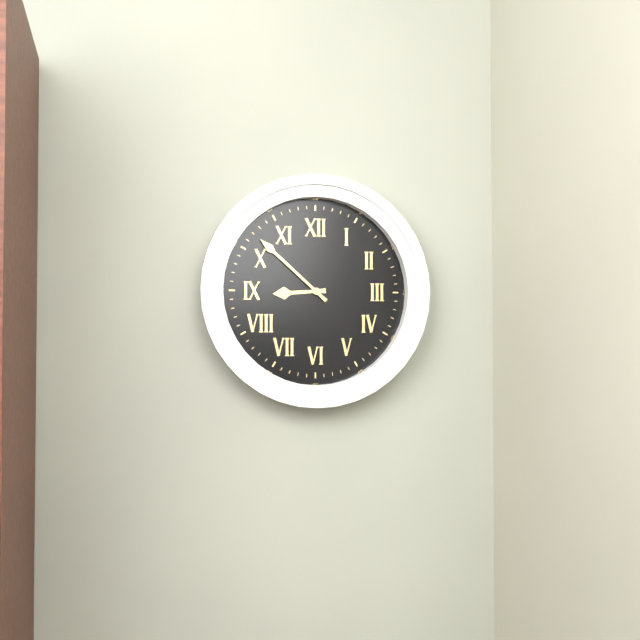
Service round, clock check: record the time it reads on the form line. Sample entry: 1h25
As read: 8h52
